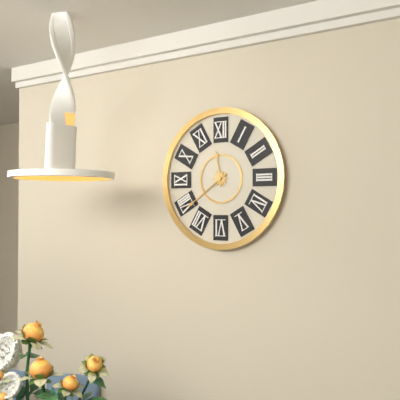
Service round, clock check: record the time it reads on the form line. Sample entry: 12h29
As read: 11h39
